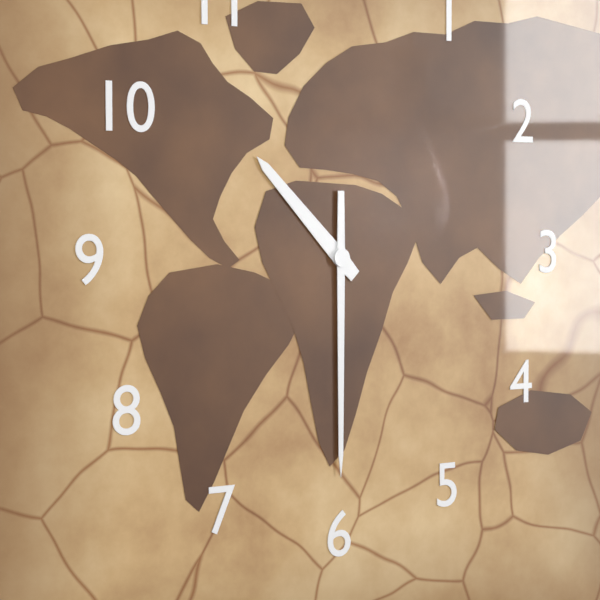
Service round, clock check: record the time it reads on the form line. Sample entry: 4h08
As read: 10h30
